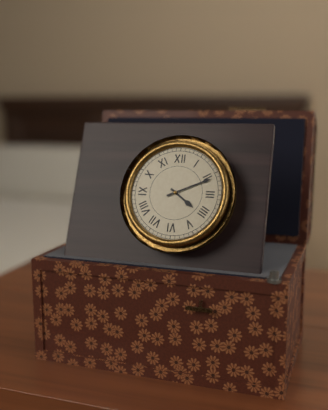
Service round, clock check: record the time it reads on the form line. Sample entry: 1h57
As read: 4h11
